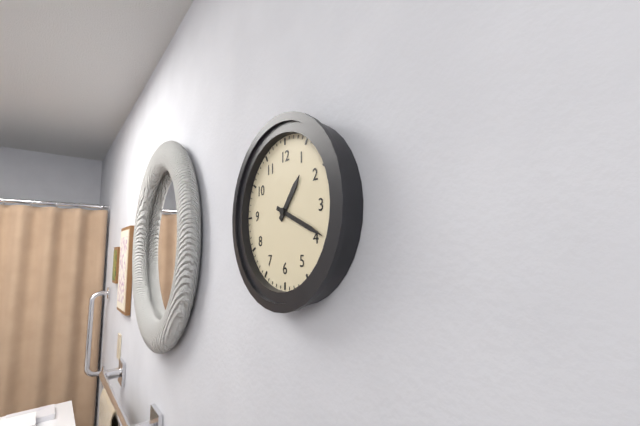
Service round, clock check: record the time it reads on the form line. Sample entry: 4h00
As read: 1h19
